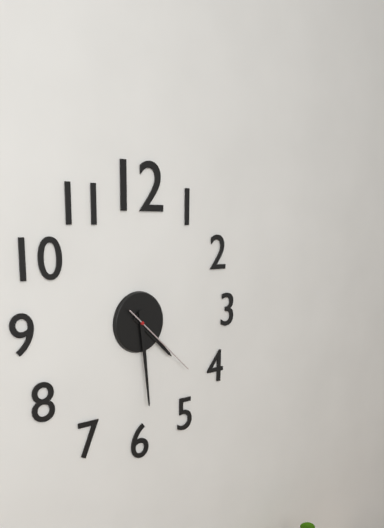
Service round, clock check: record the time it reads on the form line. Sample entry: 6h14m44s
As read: 4h29m22s
